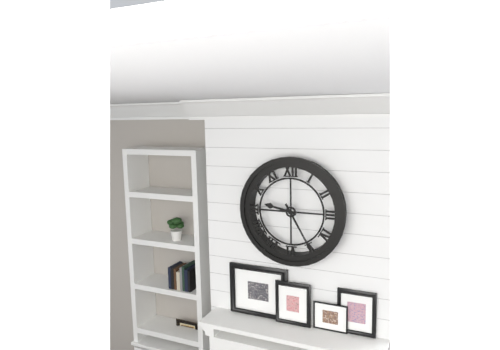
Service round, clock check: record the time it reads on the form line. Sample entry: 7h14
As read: 9h25
